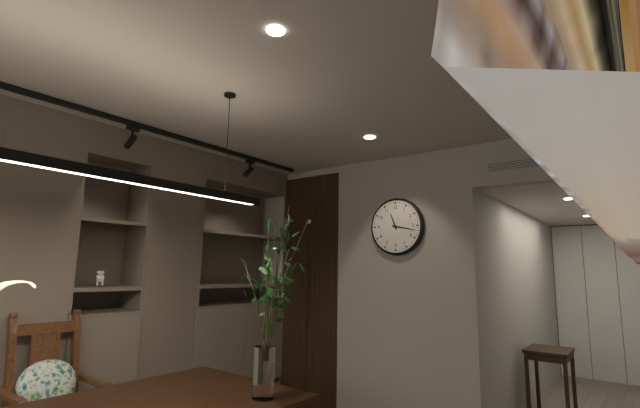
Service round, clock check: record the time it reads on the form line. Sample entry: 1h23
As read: 11h17
